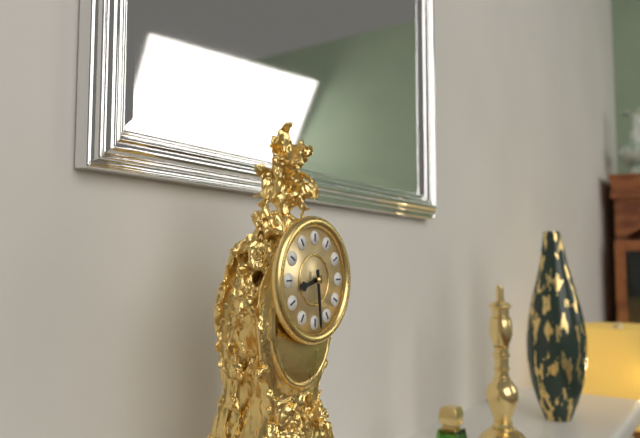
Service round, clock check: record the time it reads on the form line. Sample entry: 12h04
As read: 8h29
